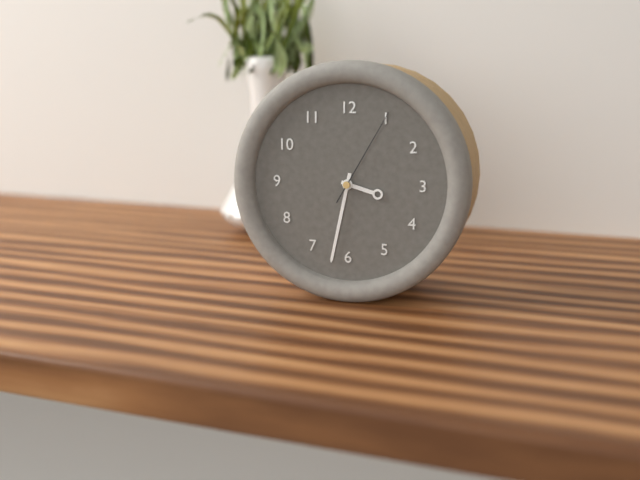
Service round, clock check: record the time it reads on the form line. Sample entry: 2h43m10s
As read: 3h32m05s
